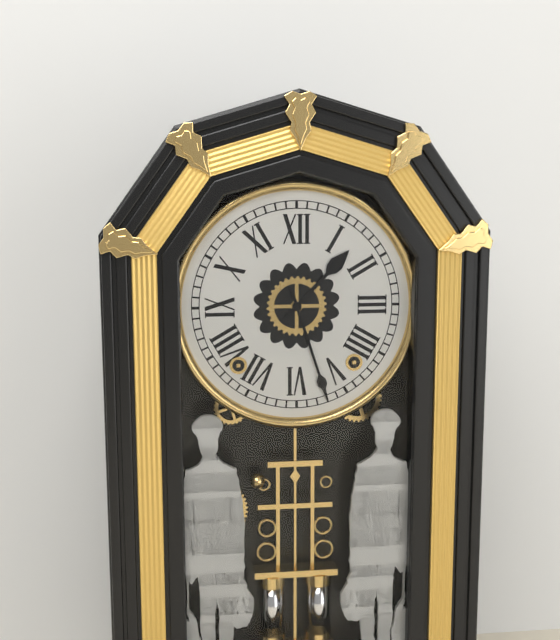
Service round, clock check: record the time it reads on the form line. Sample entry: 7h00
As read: 1h27
